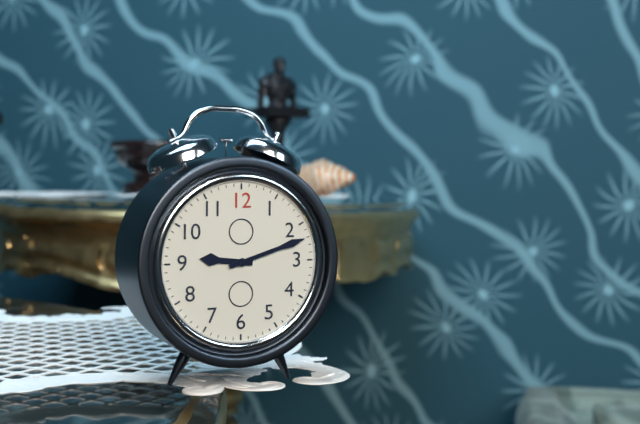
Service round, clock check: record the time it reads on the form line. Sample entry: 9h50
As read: 9h12
